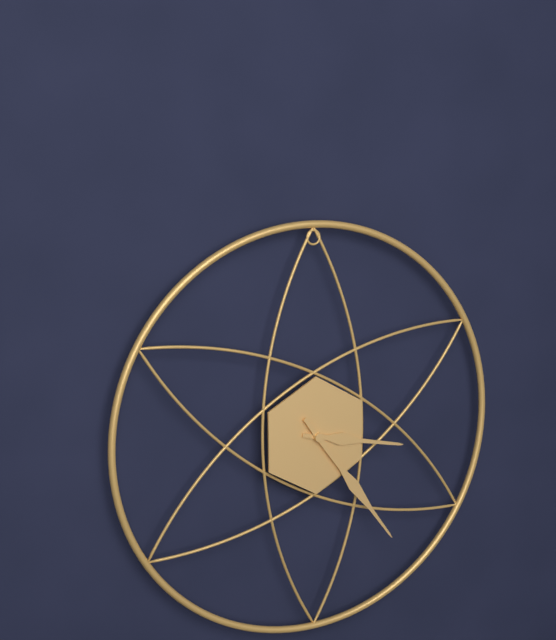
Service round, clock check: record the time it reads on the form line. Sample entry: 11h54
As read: 3h24
